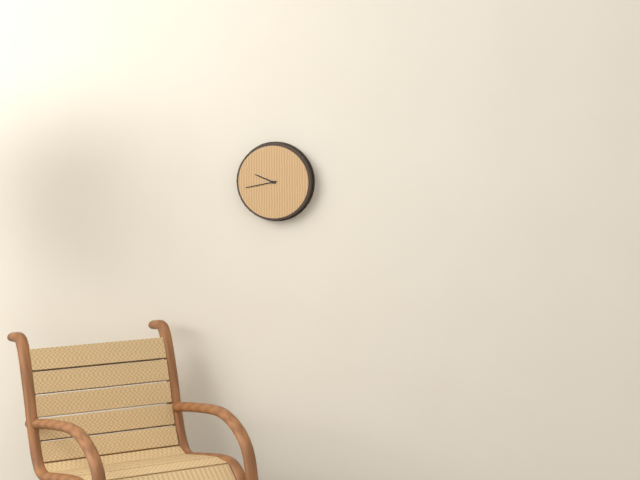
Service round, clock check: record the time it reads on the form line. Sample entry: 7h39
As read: 9h43
